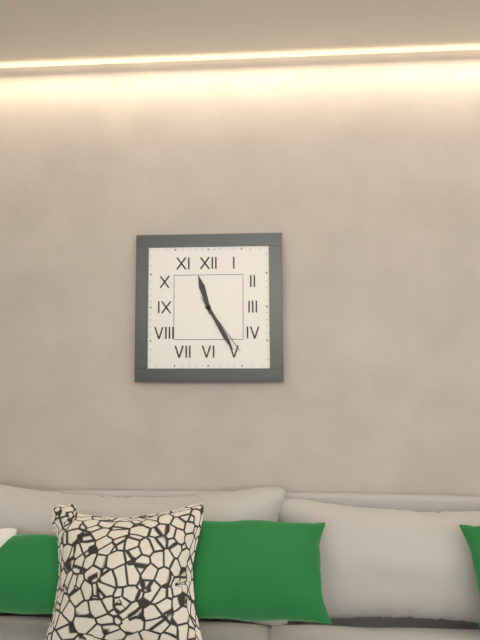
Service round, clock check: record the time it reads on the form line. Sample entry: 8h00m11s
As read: 11h25m24s
